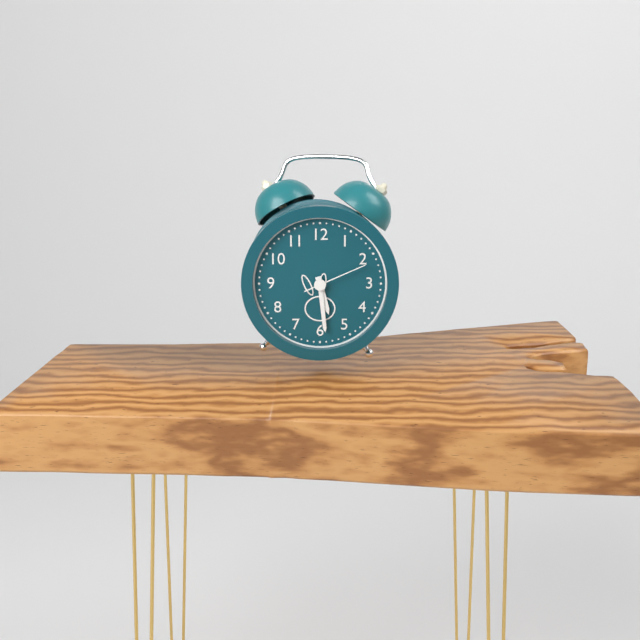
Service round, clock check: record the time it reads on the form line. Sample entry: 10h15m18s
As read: 5h29m11s
